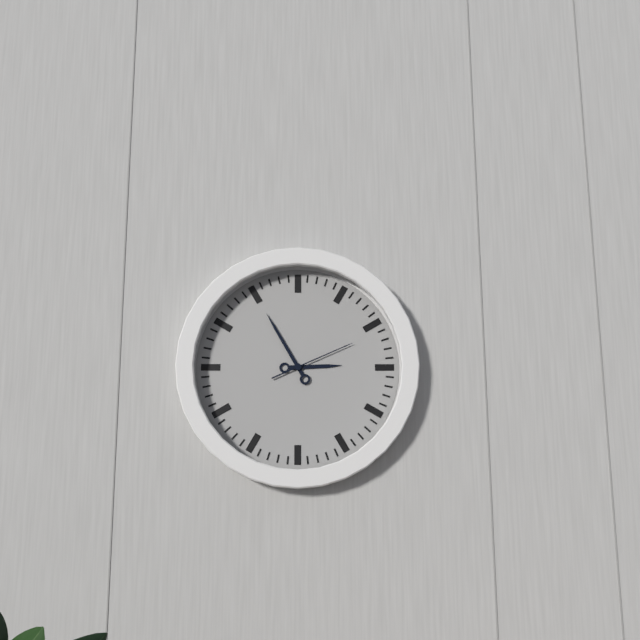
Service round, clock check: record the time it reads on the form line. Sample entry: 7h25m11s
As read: 2h55m11s
